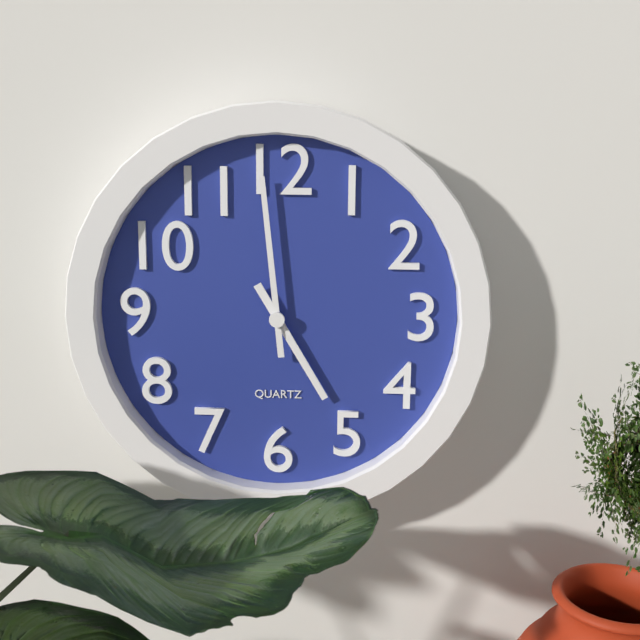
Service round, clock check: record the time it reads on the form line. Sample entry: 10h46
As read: 4h59
